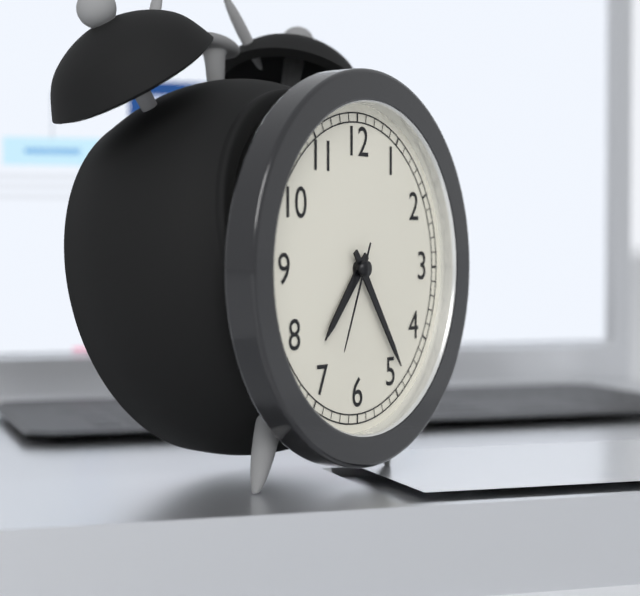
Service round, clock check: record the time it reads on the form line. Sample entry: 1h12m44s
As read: 7h24m34s
